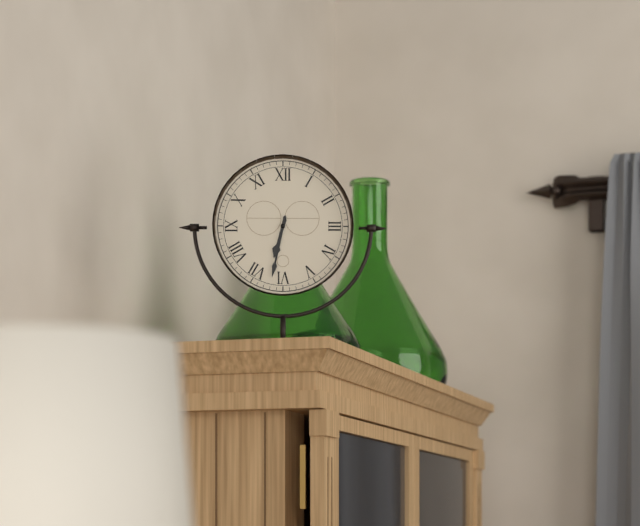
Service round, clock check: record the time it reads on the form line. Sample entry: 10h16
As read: 6h32
